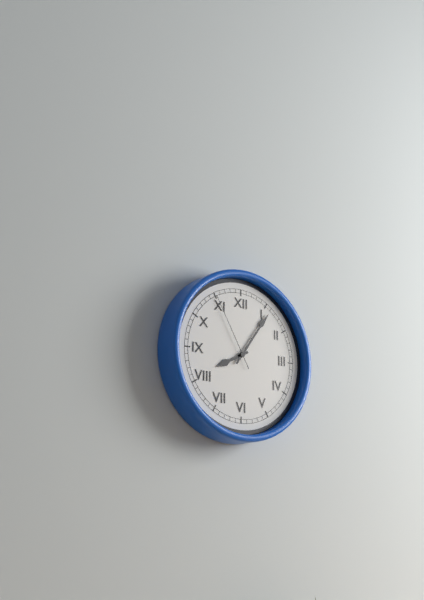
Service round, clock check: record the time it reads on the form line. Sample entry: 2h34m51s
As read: 8h06m55s
